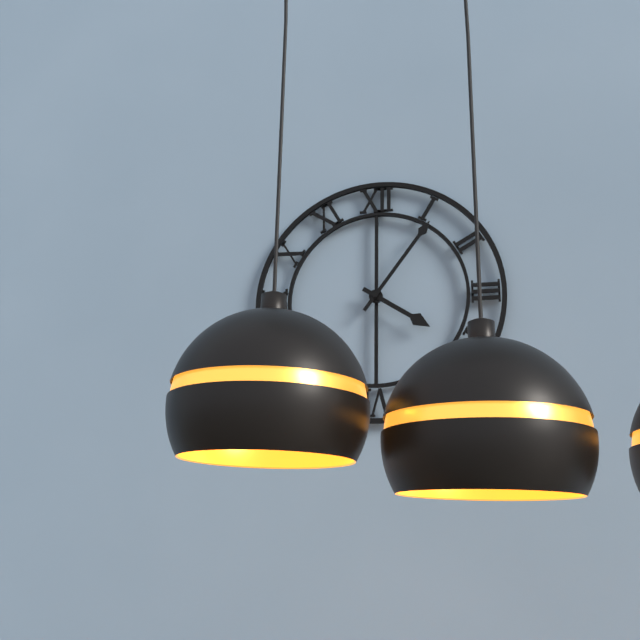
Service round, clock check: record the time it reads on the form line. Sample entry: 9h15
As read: 4h06
